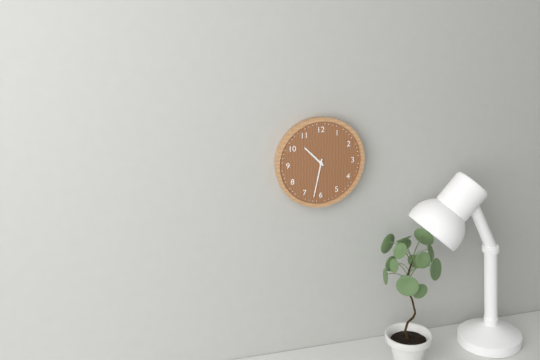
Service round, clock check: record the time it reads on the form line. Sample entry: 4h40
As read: 10h32
